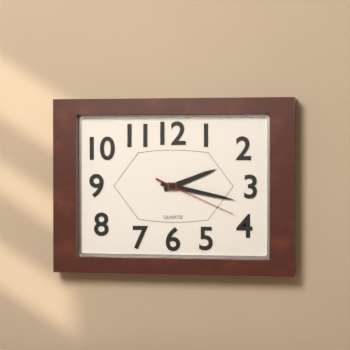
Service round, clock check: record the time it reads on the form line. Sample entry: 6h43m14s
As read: 2h17m19s
